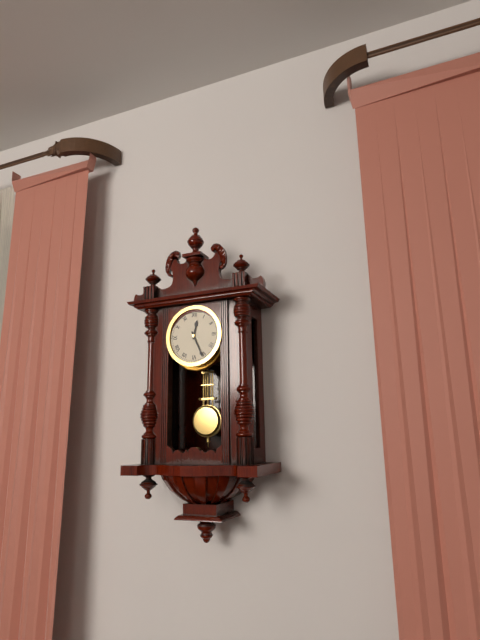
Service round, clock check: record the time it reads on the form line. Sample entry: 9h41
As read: 12h26
